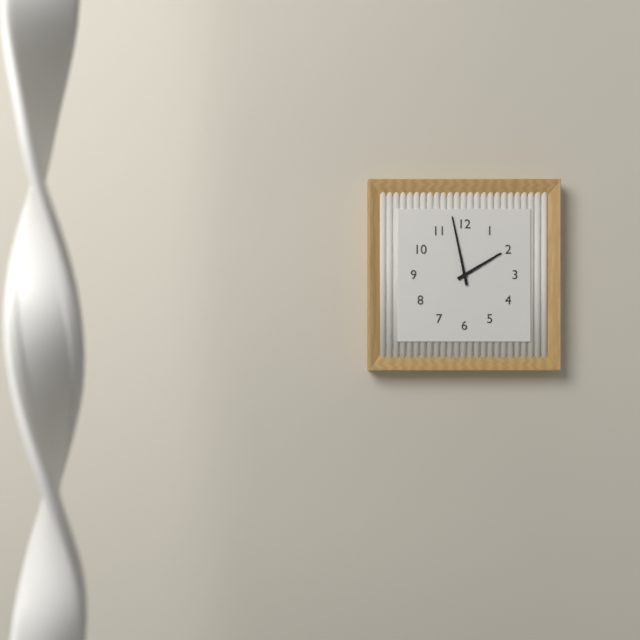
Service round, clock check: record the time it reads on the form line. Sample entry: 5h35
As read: 1h58
